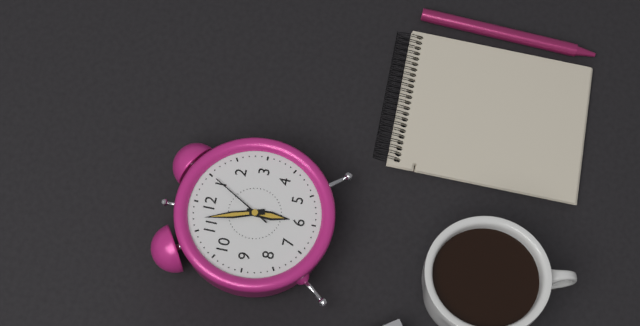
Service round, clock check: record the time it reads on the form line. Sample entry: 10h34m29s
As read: 5h57m05s
